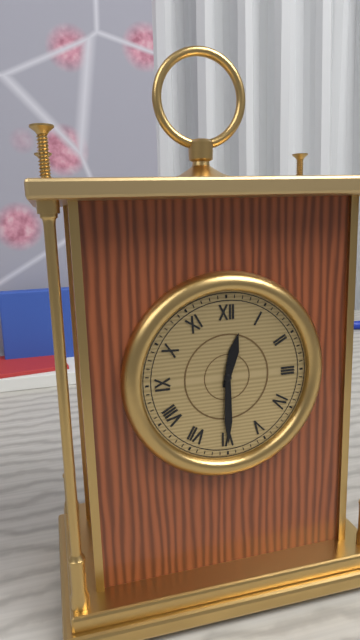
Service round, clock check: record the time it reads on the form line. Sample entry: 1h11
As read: 12h30
